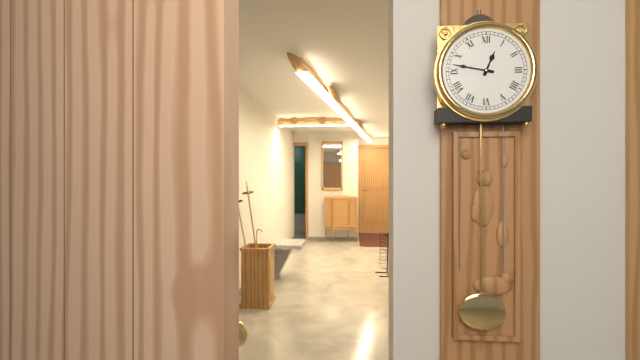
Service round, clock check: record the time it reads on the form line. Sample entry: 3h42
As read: 12h47
